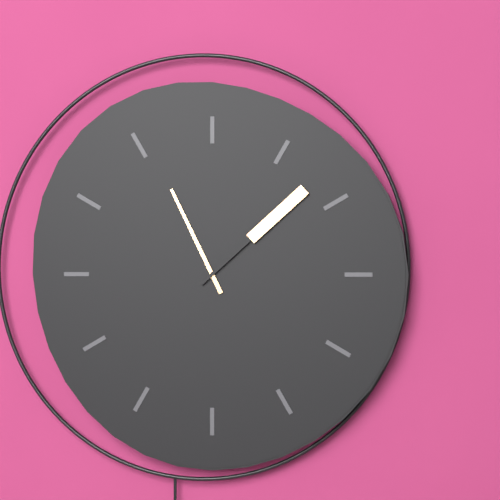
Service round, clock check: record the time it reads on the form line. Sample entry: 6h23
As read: 11h08
